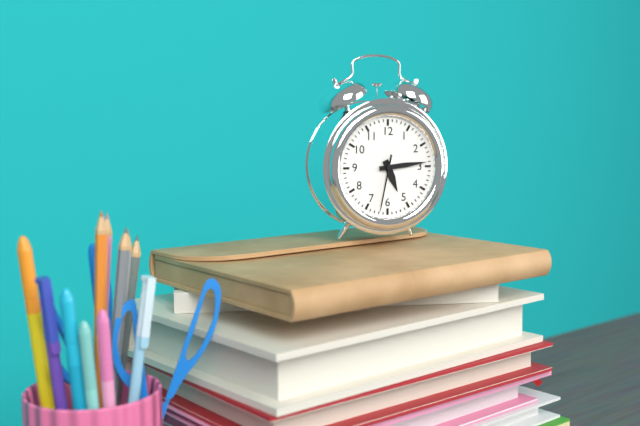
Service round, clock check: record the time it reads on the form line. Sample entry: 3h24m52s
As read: 5h14m32s
